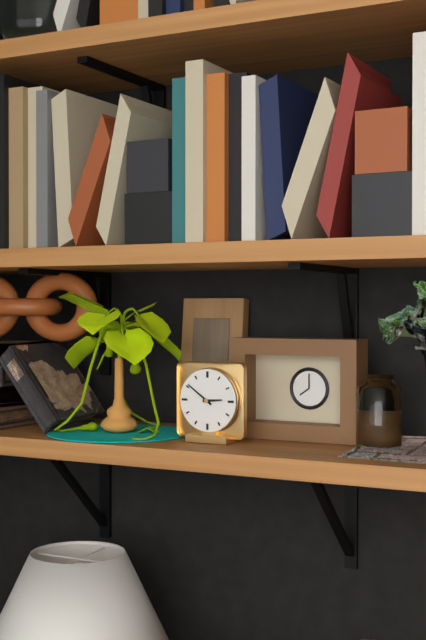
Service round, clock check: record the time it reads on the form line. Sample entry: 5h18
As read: 2h51
